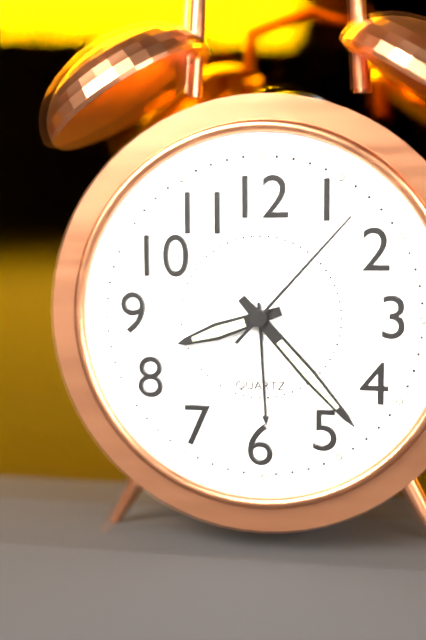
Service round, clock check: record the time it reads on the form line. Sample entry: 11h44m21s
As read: 8h23m07s
